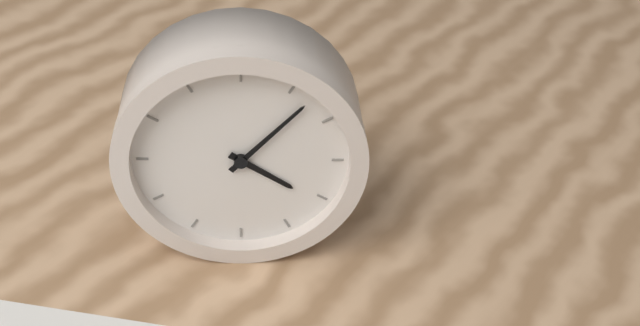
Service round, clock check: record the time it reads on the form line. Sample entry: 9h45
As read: 4h07
